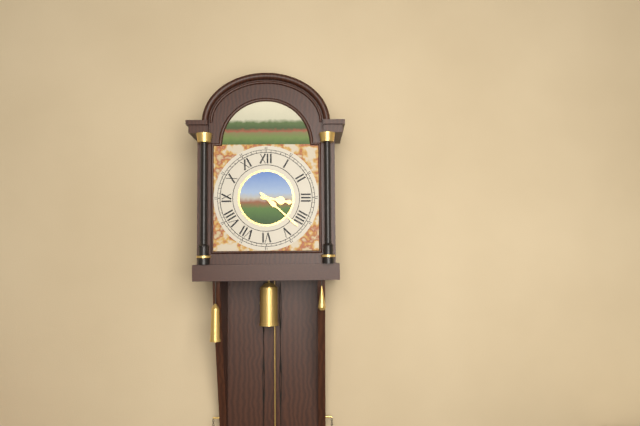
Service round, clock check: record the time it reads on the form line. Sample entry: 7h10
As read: 3h22
